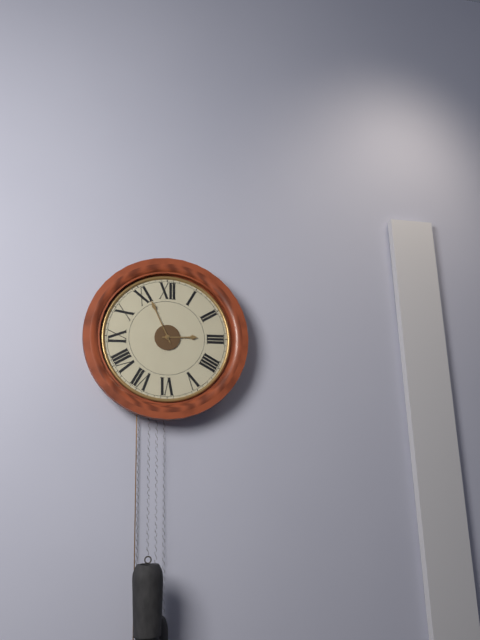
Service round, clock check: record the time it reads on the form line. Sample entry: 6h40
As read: 2h56
